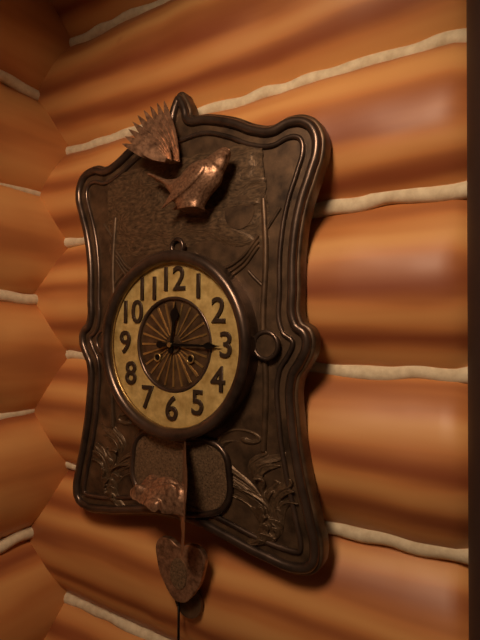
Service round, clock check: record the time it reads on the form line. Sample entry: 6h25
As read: 12h15
